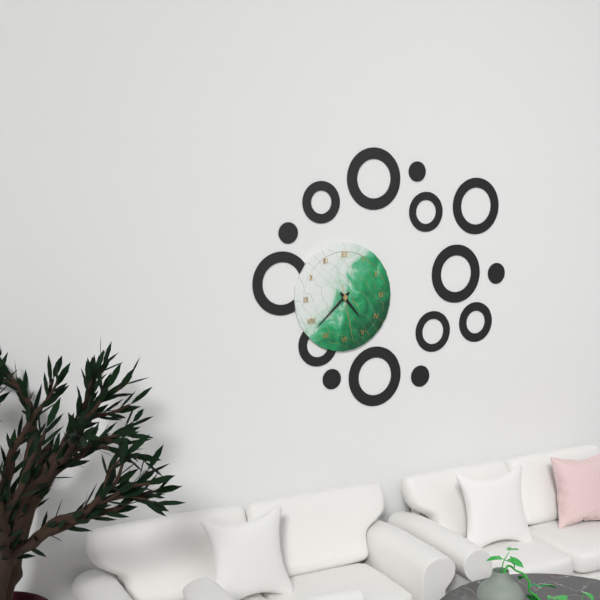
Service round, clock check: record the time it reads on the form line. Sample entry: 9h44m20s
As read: 4h38m28s
